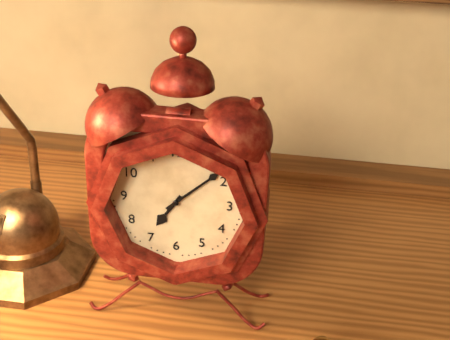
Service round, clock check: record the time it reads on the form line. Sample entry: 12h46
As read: 7h08
